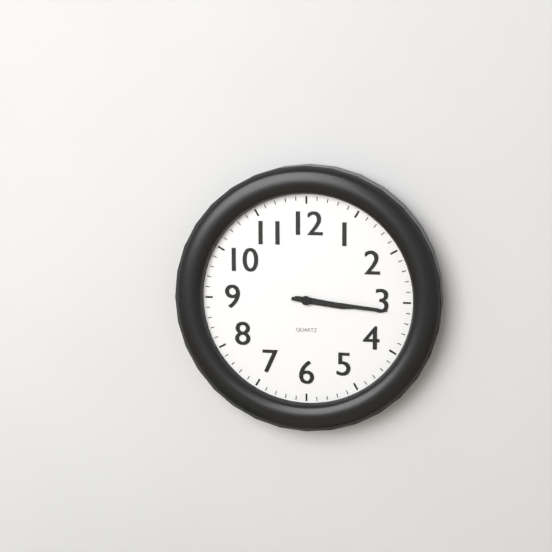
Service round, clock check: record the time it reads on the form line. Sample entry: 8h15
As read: 3h16
